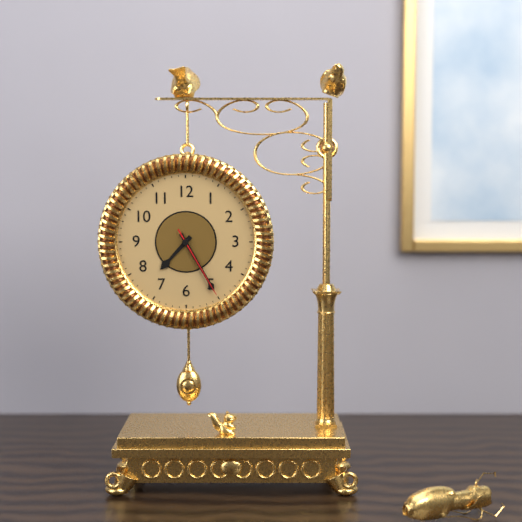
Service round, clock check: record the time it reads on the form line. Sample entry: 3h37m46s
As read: 7h25m25s
